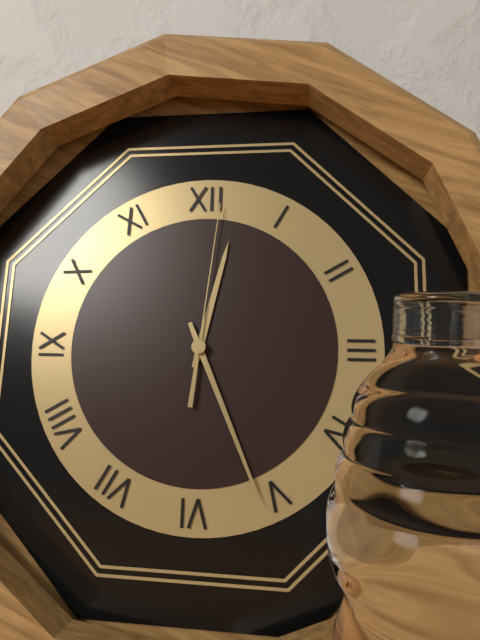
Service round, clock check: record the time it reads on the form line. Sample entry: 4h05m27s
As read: 12h26m01s
